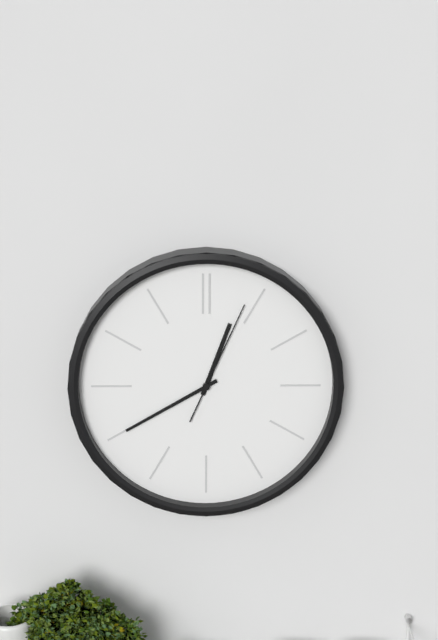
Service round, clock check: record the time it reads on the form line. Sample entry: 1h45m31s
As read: 12h40m04s
